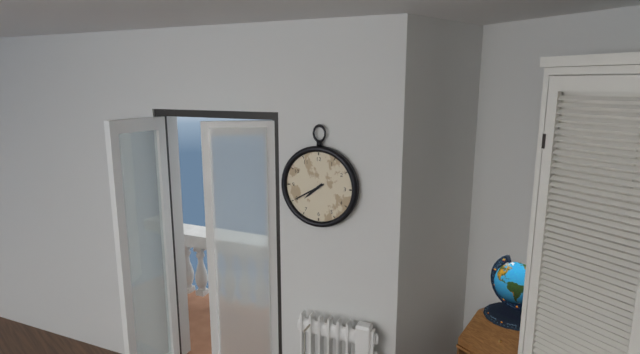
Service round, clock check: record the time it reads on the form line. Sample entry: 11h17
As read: 7h40
